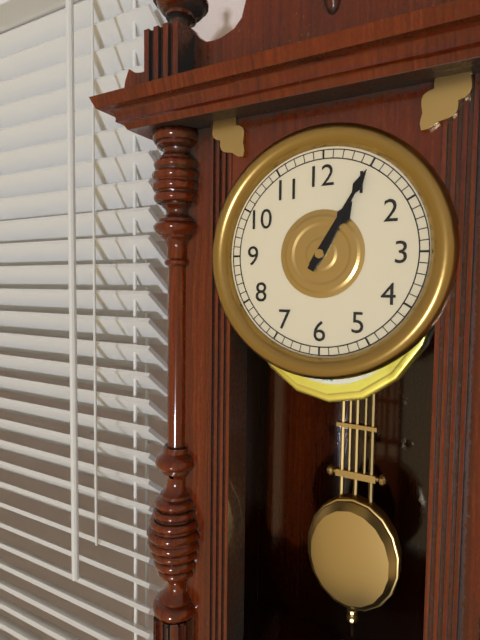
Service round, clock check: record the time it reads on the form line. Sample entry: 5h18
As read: 1h05
